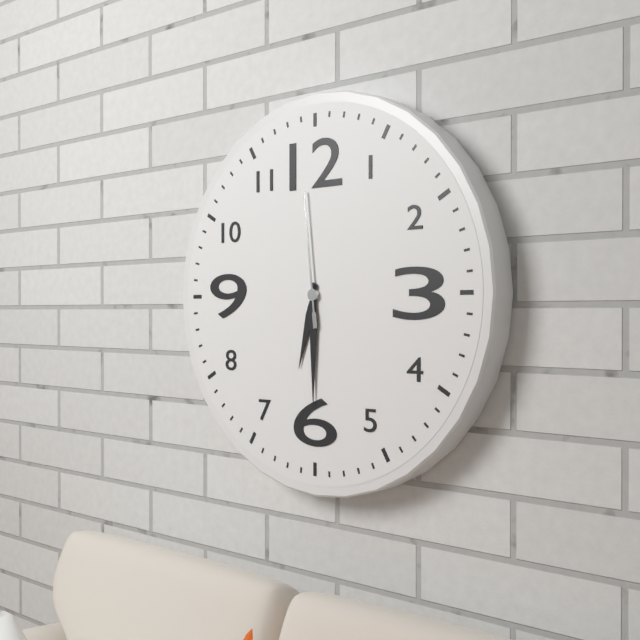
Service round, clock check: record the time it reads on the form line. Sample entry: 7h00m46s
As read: 6h30m59s
